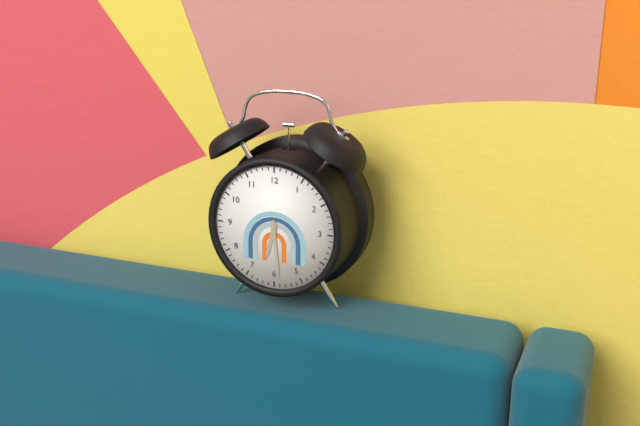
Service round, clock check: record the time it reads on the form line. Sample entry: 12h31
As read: 6h29
